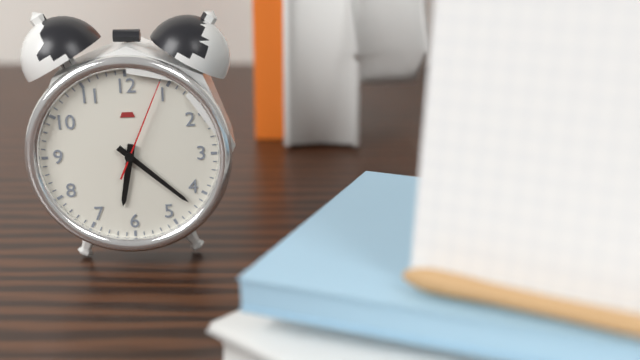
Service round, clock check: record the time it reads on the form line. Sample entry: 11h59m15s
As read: 6h22m04s
